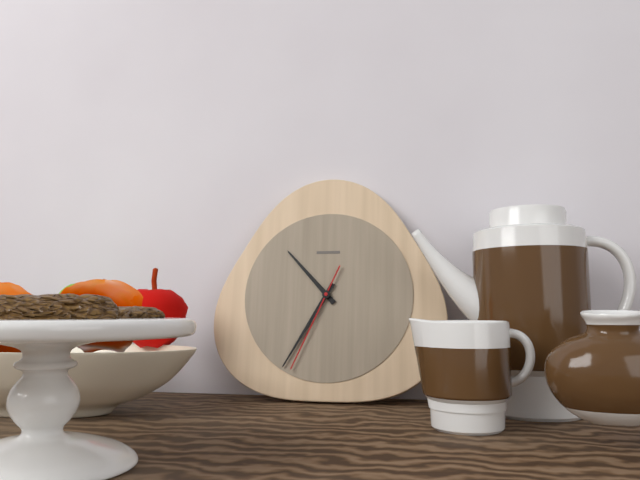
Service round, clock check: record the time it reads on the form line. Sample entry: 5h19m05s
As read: 10h35m34s
